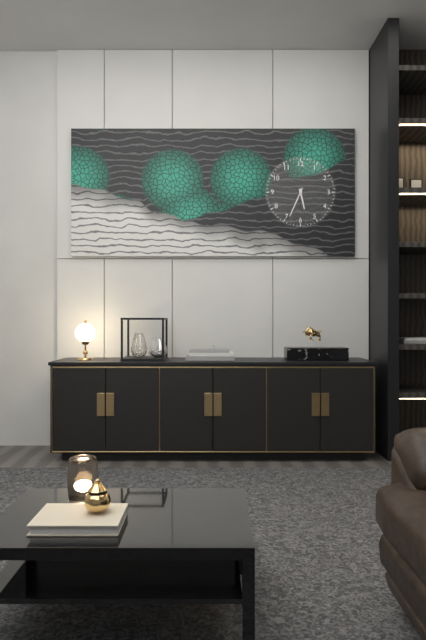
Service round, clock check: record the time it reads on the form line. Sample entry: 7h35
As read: 5h34
